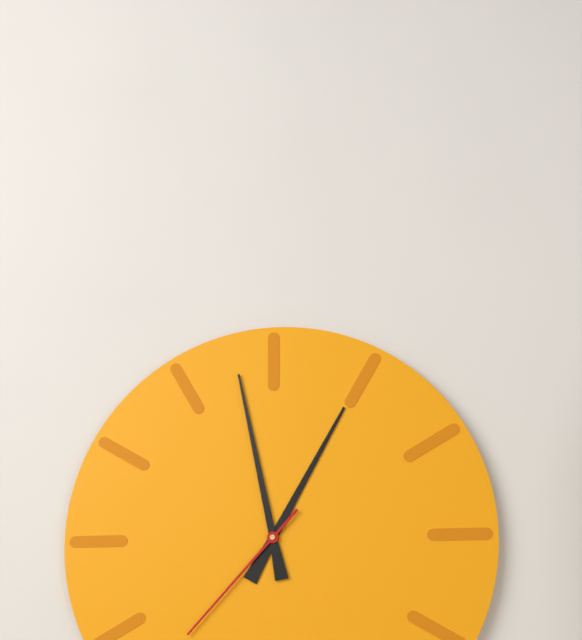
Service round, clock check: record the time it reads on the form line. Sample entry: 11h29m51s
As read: 12h58m37s
